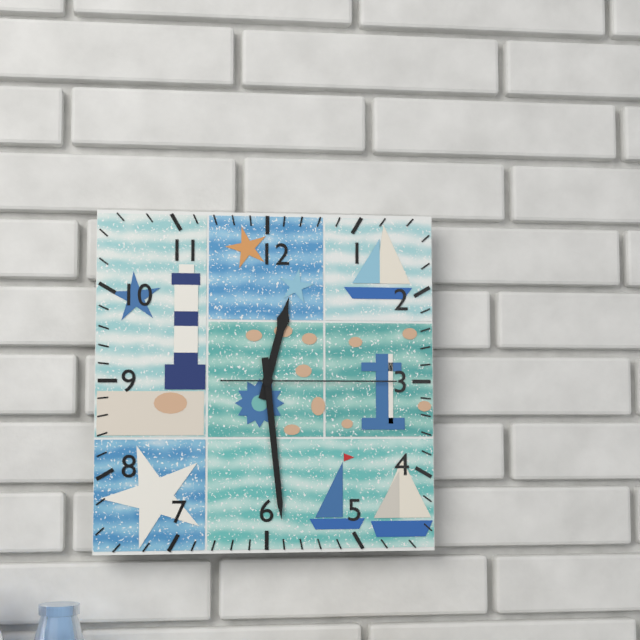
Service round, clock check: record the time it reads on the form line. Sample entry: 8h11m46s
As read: 12h29m15s
